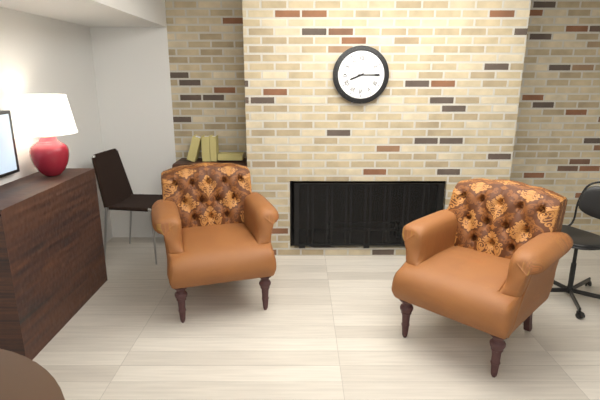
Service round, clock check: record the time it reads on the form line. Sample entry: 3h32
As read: 8h15
